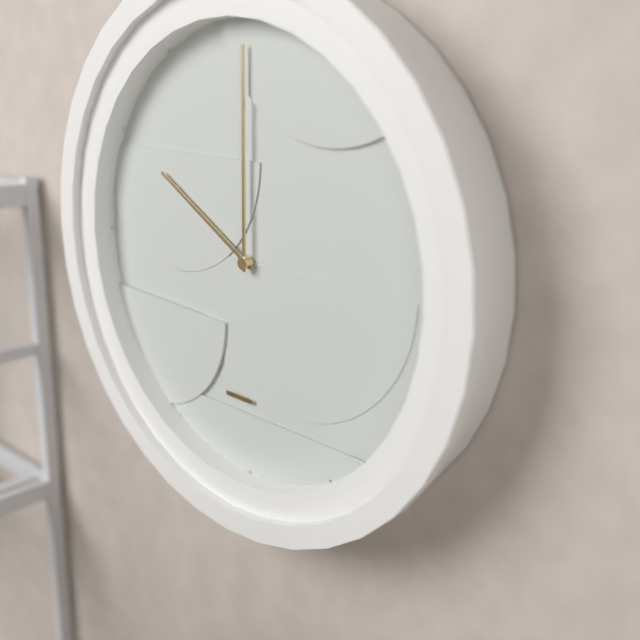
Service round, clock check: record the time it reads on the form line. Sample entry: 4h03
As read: 10h00
